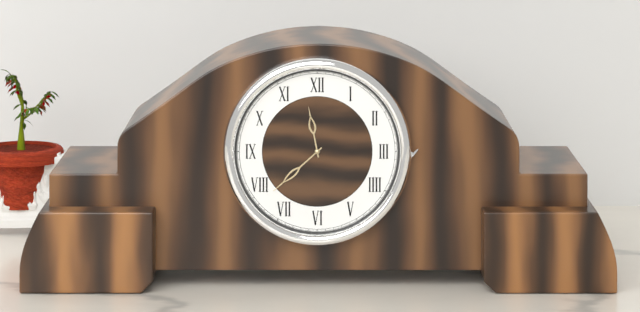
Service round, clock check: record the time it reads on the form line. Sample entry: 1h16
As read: 11h38
